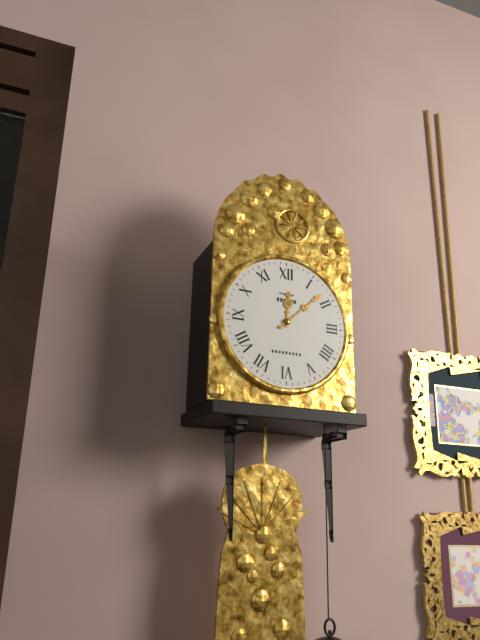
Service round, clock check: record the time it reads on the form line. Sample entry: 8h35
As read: 12h08
